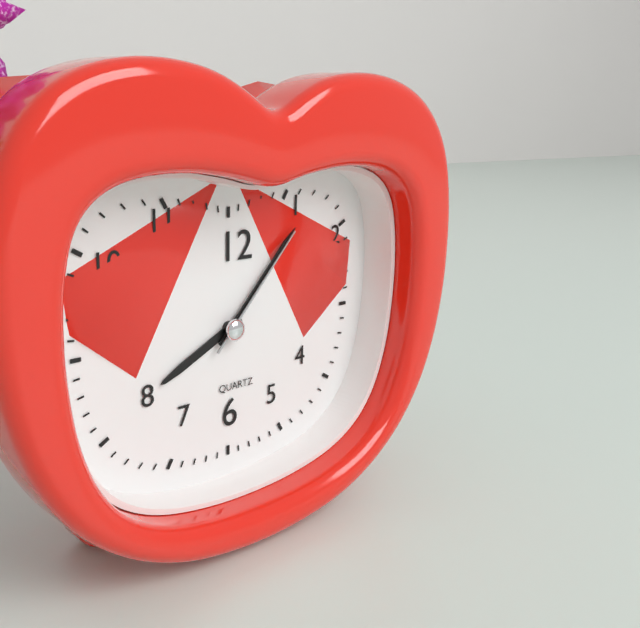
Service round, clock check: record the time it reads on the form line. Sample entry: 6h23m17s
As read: 8h07m07s
